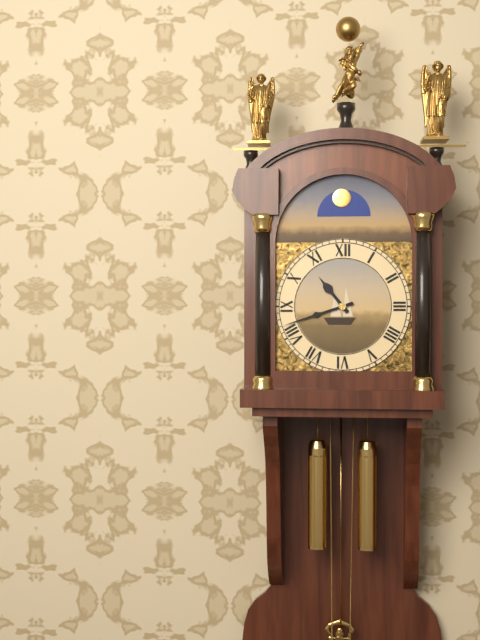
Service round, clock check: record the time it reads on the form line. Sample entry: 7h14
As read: 10h42
